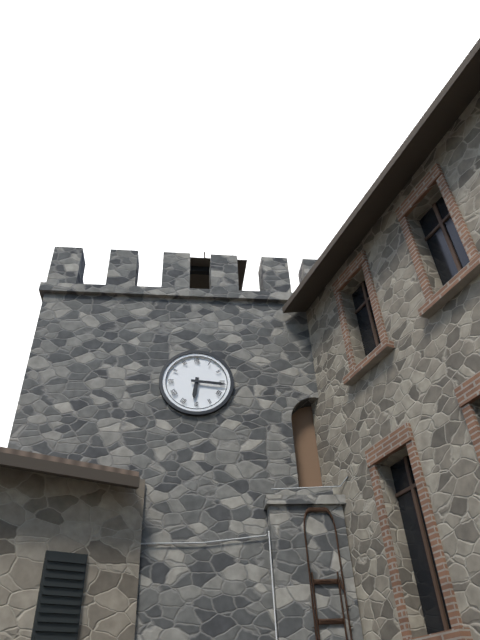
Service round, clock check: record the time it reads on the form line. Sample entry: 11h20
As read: 6h16
